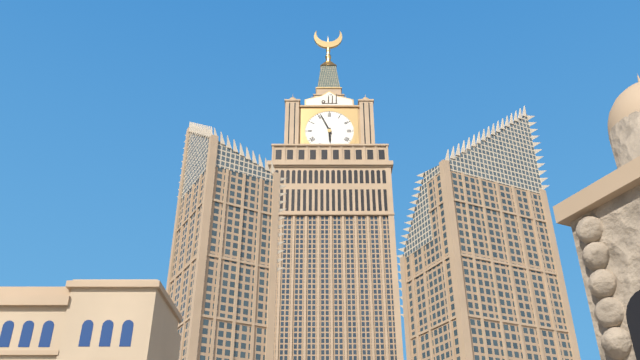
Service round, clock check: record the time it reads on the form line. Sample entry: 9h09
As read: 5h56
